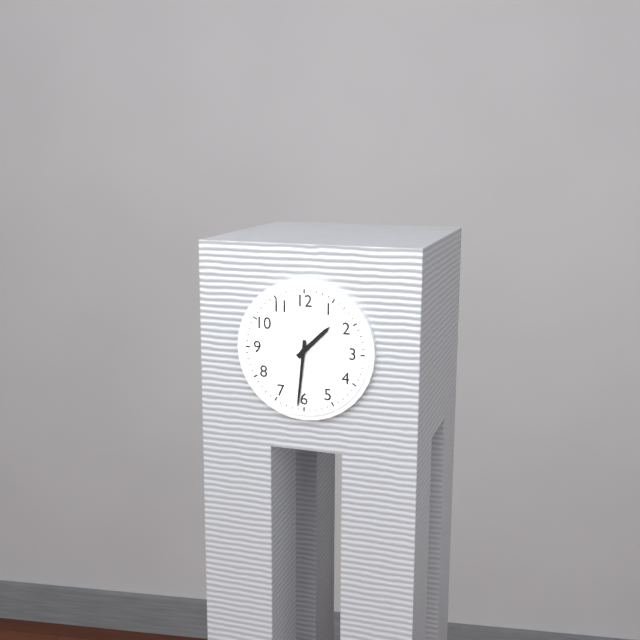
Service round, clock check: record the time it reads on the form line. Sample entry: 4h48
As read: 1h31
